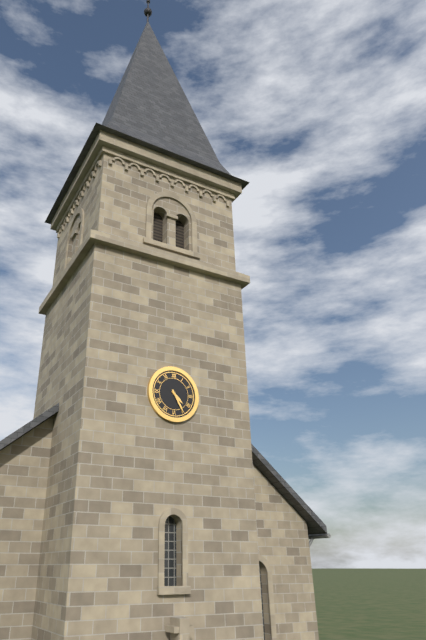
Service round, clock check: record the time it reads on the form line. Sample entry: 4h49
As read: 4h25
